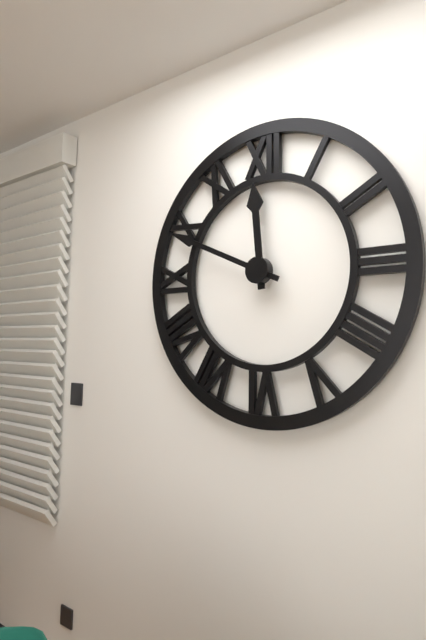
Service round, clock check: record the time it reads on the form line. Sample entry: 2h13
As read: 11h49
